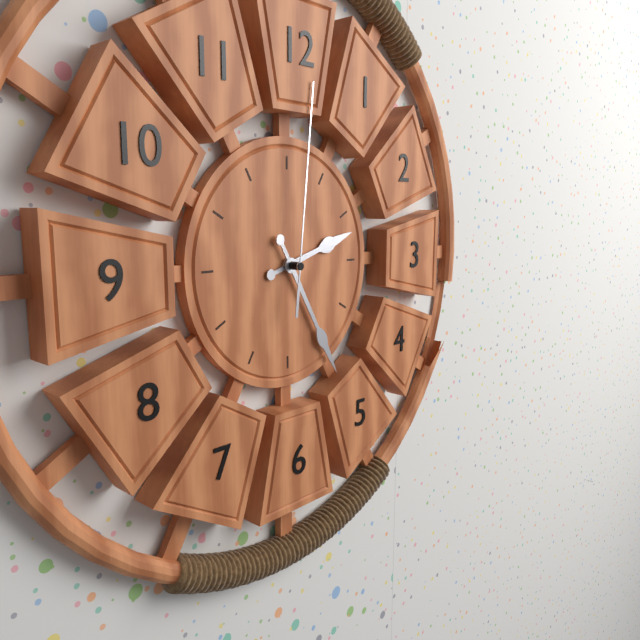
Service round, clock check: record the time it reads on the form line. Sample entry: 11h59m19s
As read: 2h25m01s
